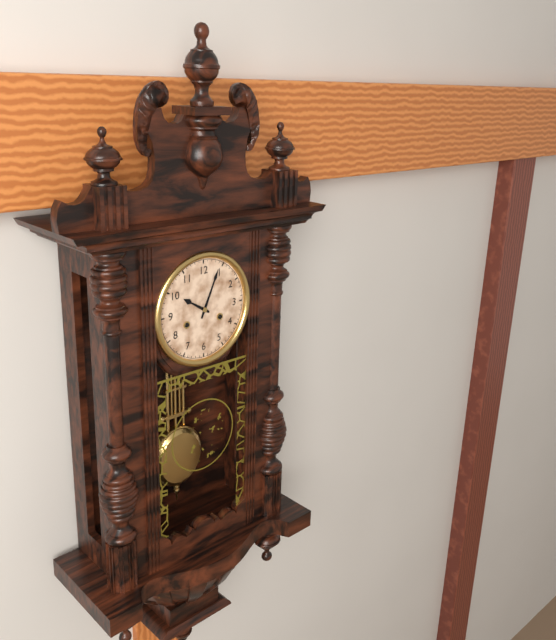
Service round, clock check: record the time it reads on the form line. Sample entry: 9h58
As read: 10h04
